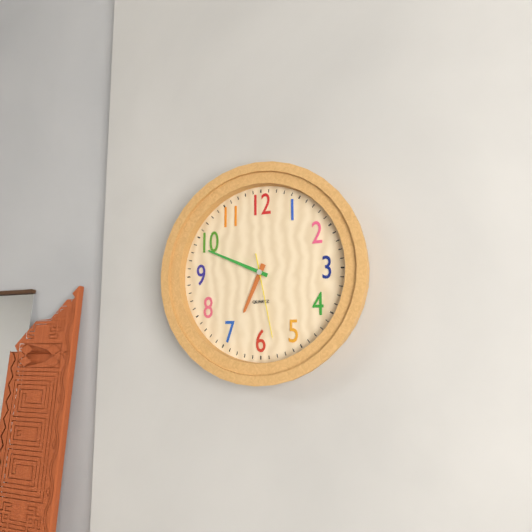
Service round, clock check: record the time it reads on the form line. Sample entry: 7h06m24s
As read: 6h49m28s
